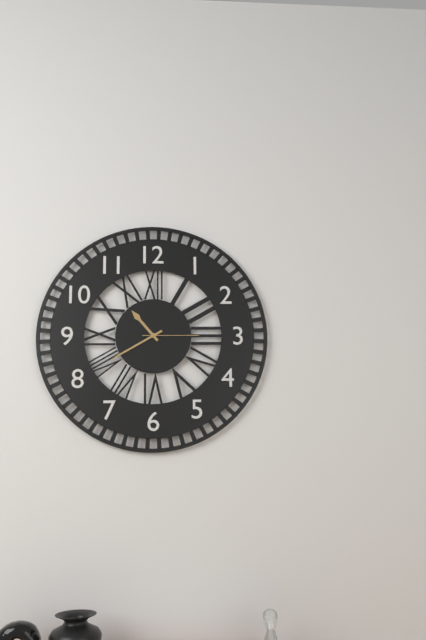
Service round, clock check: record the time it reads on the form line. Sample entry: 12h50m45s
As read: 10h40m15s
